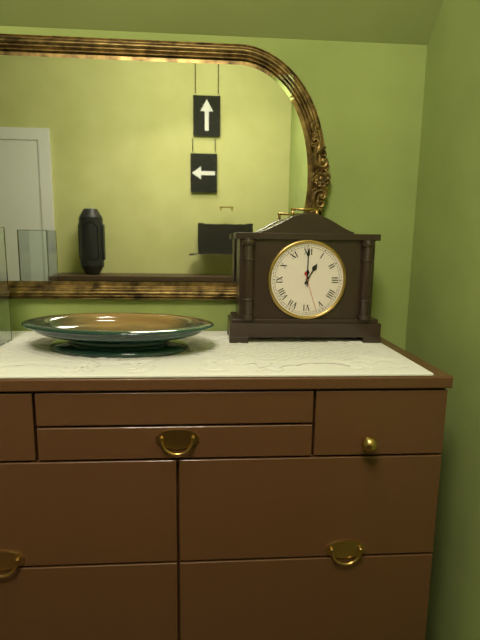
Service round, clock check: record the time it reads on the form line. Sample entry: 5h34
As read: 1h00
